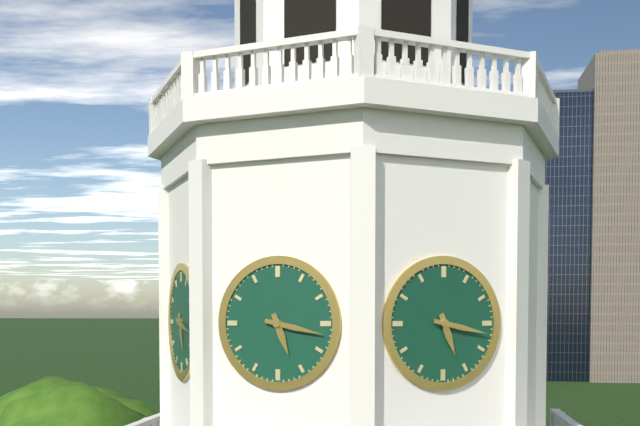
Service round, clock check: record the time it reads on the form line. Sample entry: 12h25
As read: 5h17
